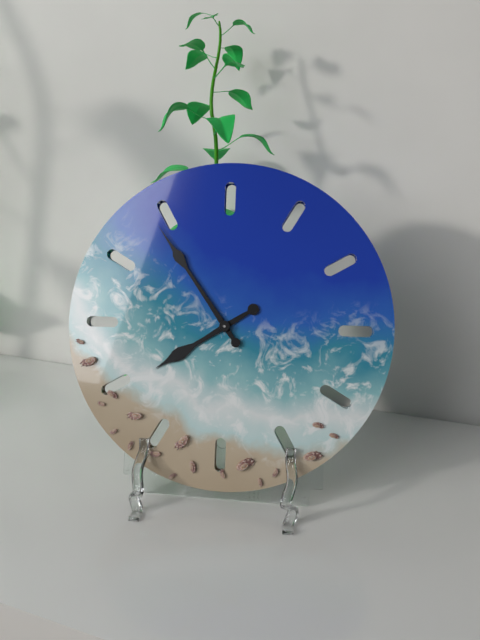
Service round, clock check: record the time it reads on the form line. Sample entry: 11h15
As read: 7h54
